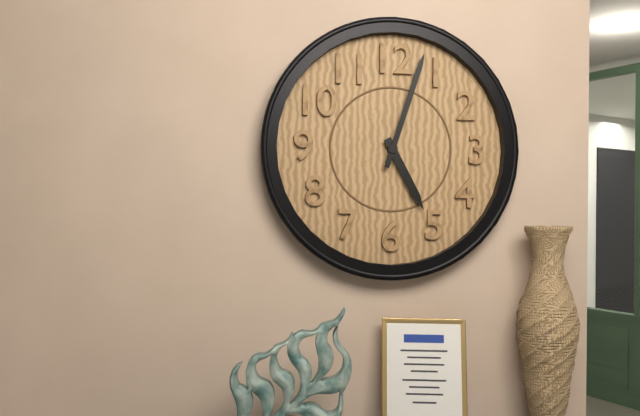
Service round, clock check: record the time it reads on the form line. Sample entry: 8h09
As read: 5h03
